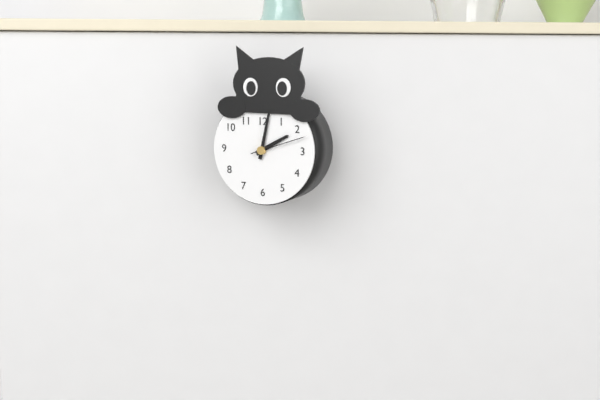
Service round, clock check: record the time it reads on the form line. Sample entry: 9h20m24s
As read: 2h02m12s
